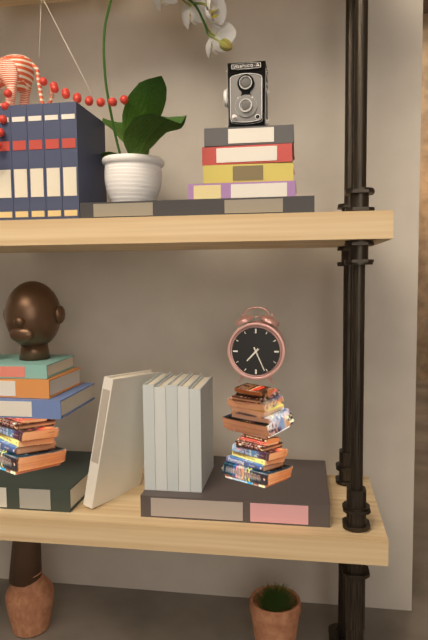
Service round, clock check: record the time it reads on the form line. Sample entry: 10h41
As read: 7h26
